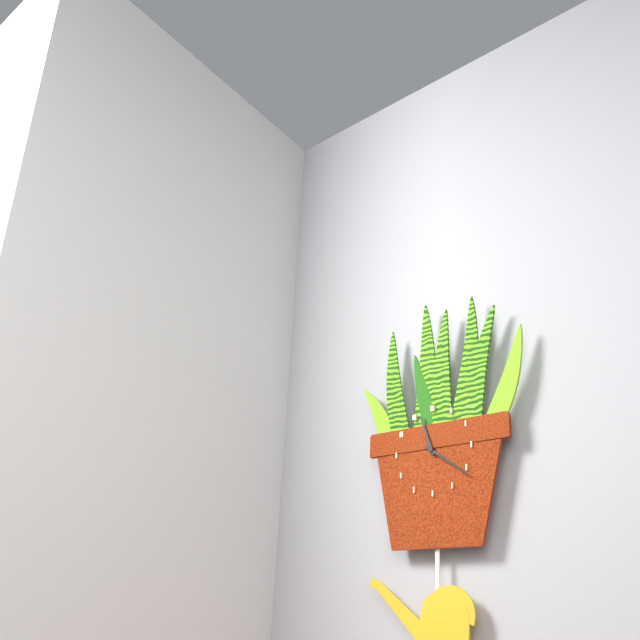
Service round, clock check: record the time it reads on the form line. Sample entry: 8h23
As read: 11h21
